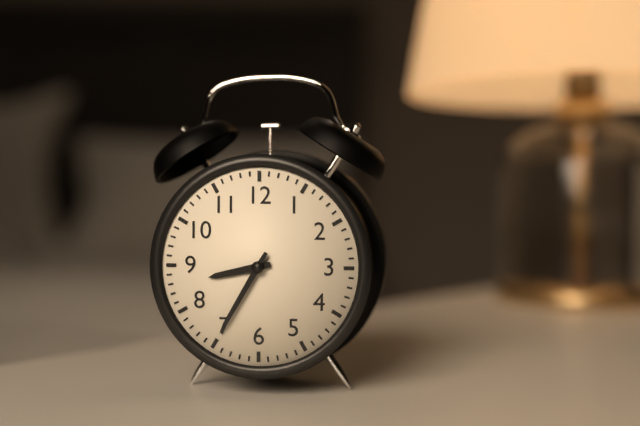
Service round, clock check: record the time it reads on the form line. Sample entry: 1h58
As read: 8h35
